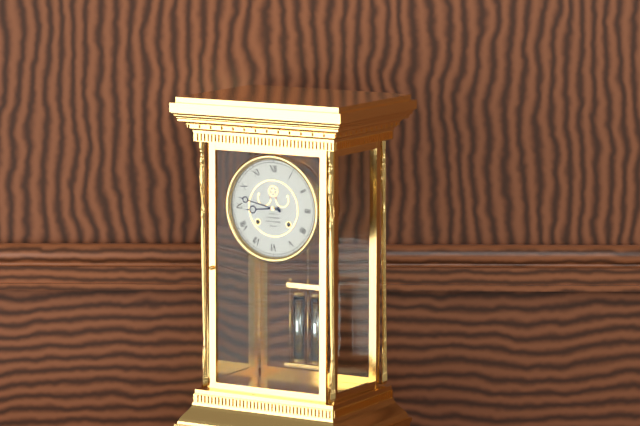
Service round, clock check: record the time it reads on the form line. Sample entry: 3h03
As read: 8h47
